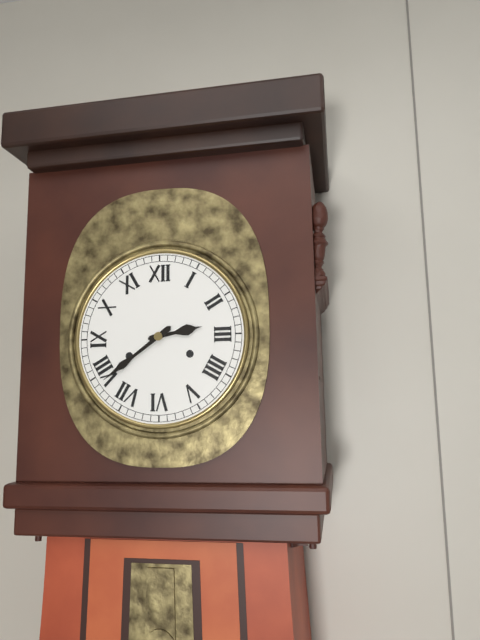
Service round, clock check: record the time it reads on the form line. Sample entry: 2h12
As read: 2h39
